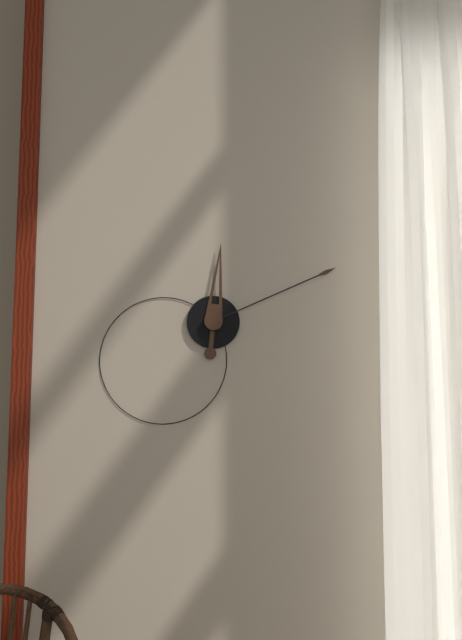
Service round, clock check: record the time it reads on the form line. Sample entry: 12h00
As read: 12h11
